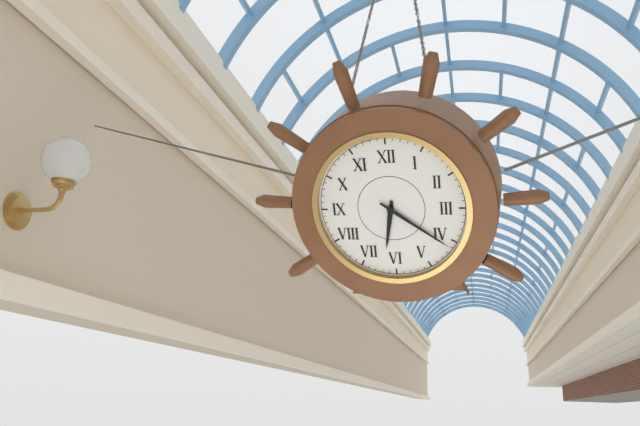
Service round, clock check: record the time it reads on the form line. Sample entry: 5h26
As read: 6h21
